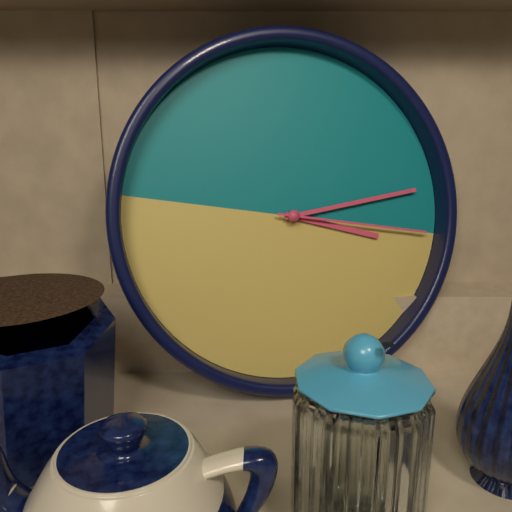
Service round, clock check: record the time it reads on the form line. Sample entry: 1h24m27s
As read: 3h12m15s
